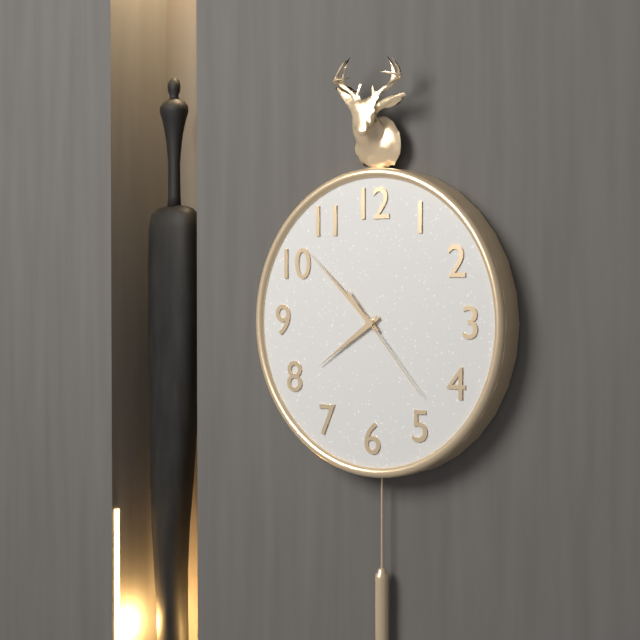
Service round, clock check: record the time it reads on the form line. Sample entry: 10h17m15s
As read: 7h52m23s
